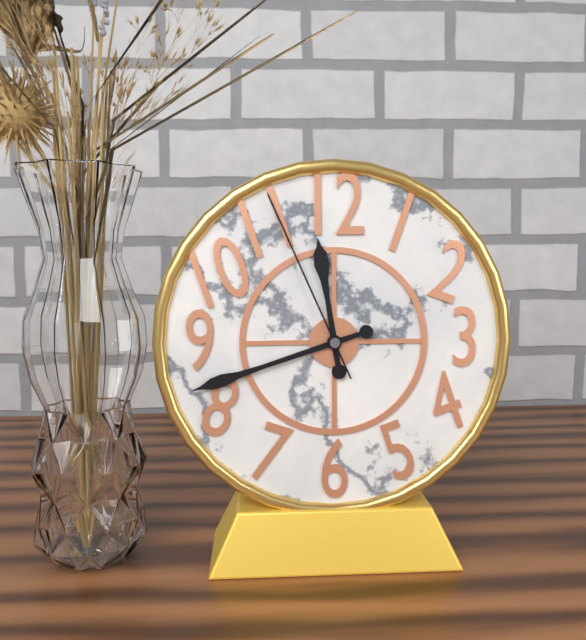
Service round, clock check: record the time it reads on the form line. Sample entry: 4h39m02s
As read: 11h42m56s
